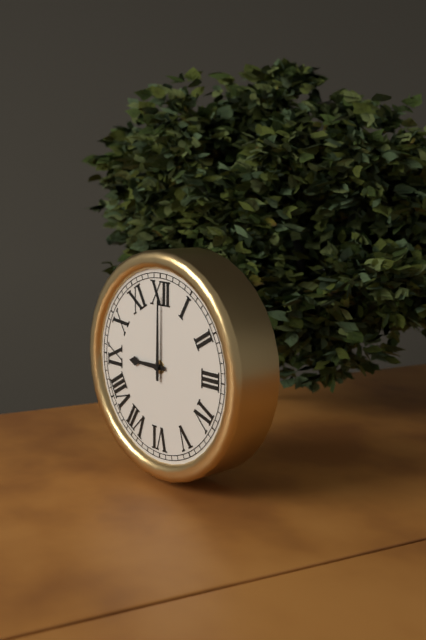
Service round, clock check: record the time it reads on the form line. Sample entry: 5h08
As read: 9h00
